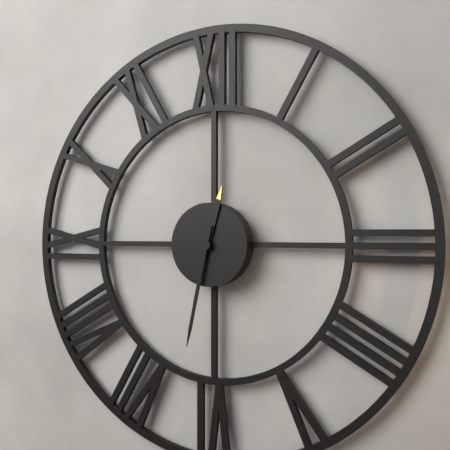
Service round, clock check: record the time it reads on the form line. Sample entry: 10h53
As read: 12h32
